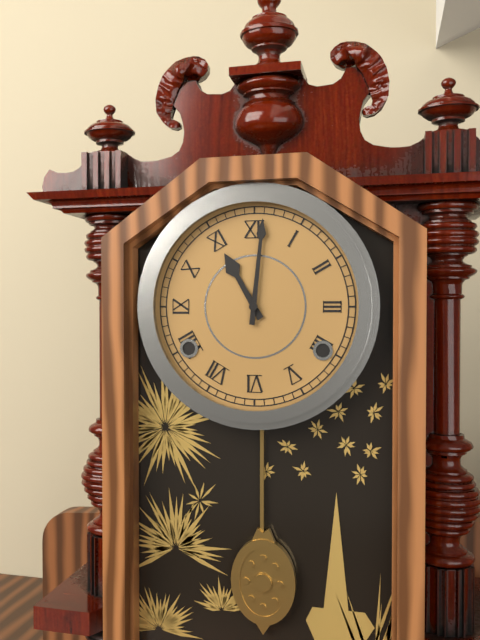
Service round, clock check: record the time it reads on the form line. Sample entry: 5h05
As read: 11h01
